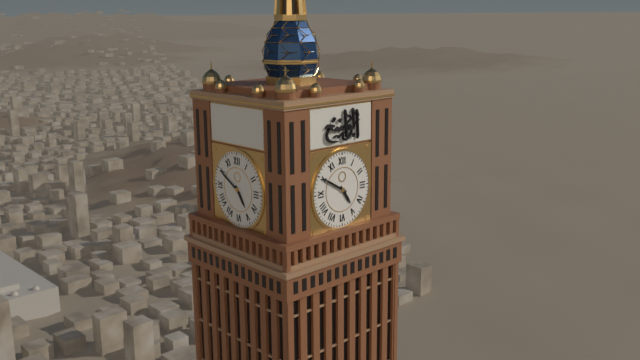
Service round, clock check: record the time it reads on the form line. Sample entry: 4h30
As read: 4h50
